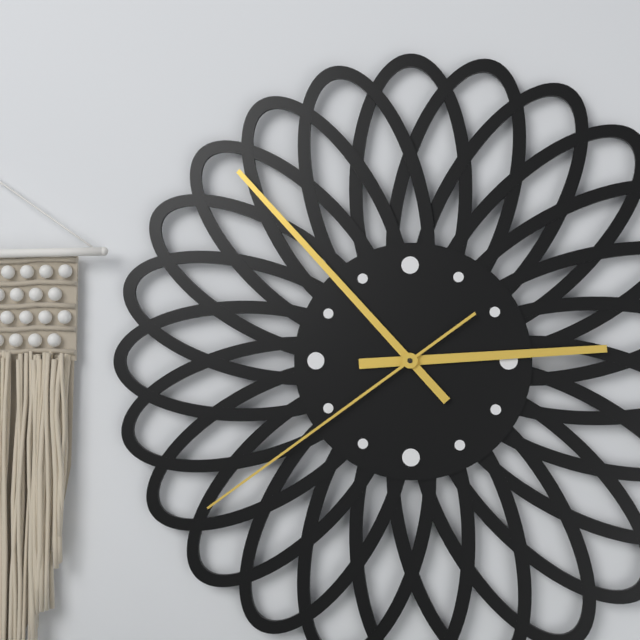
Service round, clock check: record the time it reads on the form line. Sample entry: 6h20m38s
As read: 2h53m39s
